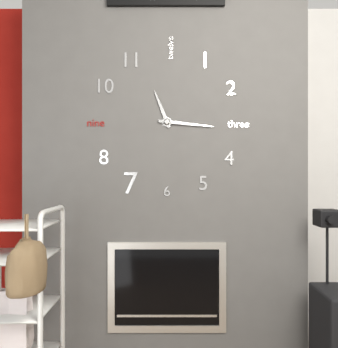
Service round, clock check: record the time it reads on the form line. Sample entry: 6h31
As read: 11h16
